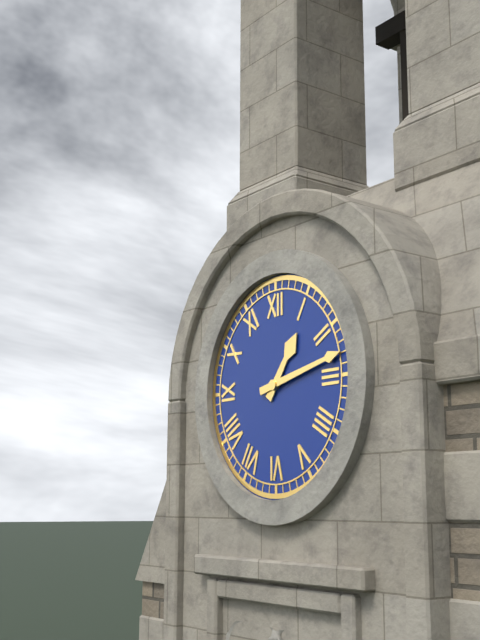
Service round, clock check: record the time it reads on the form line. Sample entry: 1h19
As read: 1h13
